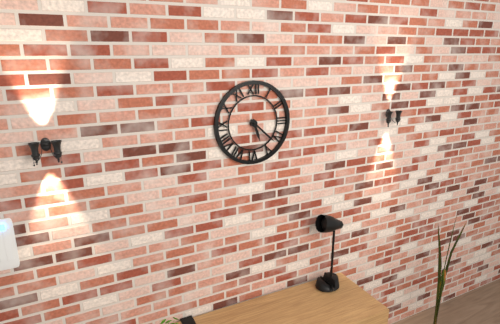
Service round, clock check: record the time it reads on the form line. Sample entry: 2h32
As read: 5h22
